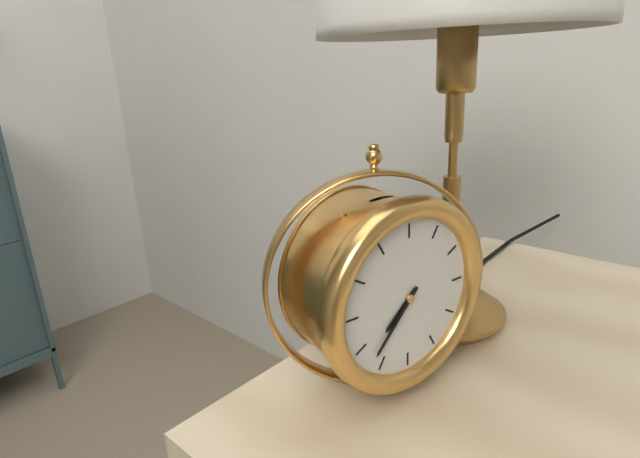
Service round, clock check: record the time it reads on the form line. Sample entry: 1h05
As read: 7h37
